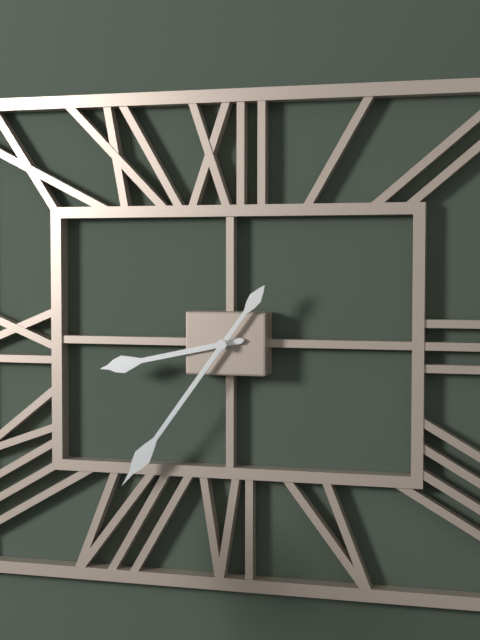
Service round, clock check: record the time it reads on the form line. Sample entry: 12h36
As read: 8h36
